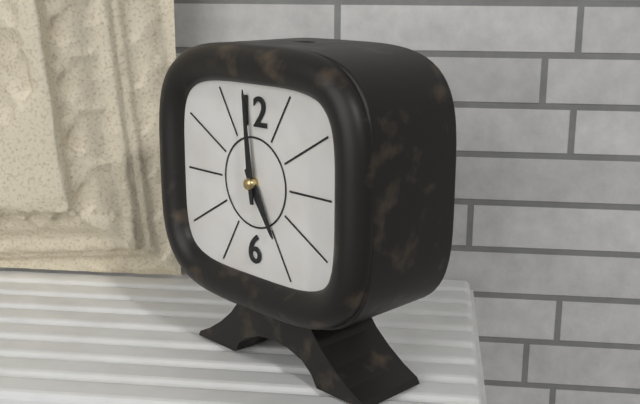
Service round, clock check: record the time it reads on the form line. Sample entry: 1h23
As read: 4h59
